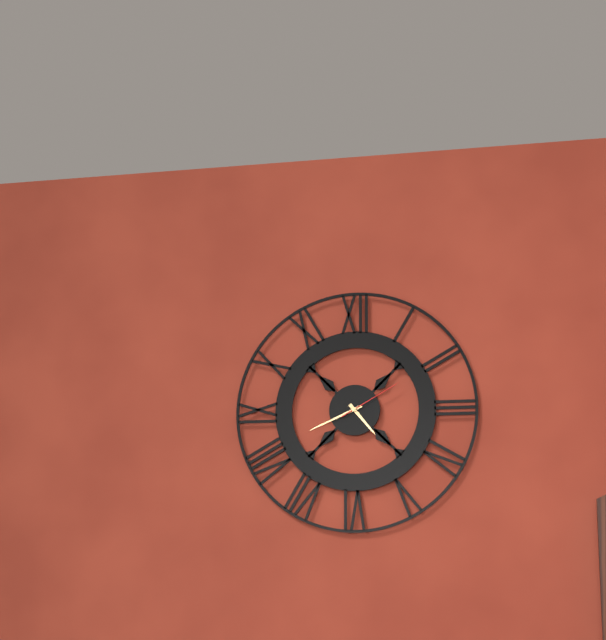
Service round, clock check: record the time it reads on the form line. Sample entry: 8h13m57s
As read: 4h41m10s
